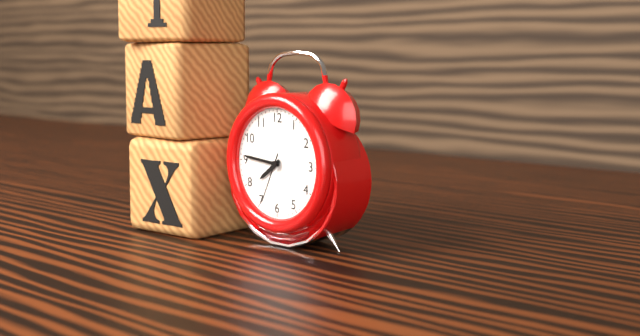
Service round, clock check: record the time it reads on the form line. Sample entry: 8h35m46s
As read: 7h46m34s
